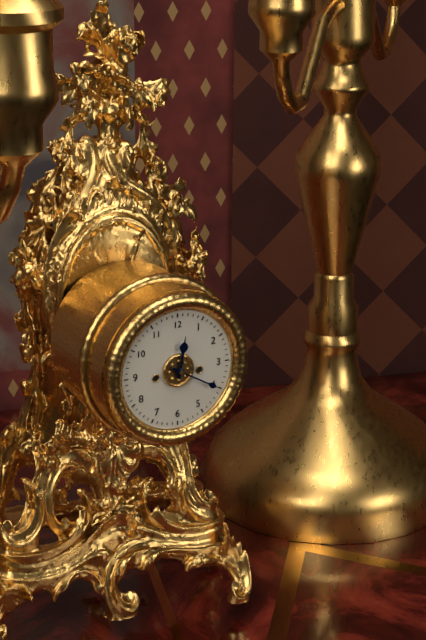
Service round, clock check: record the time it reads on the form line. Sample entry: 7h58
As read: 12h20
